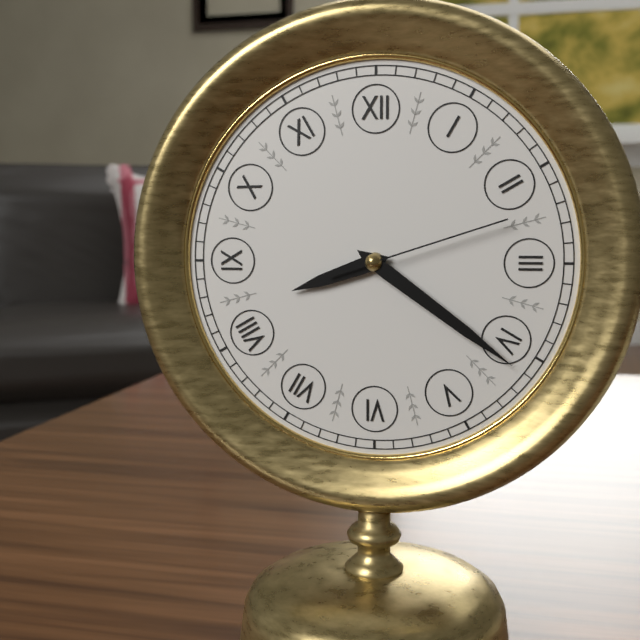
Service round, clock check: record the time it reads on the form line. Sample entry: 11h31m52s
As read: 8h21m12s
